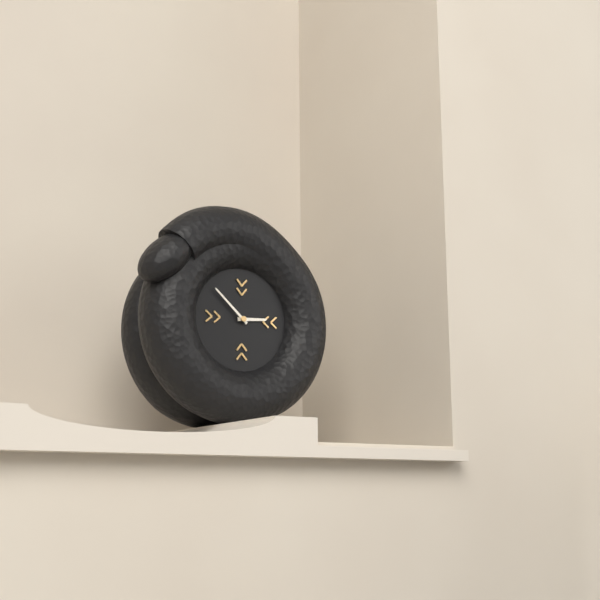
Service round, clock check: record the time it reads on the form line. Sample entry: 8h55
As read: 2h52
